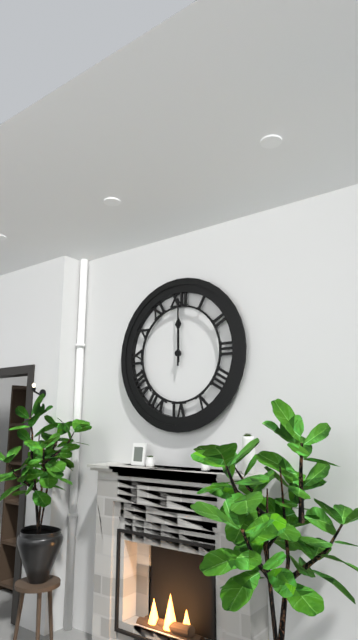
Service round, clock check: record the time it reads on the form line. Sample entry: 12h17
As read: 12h00
